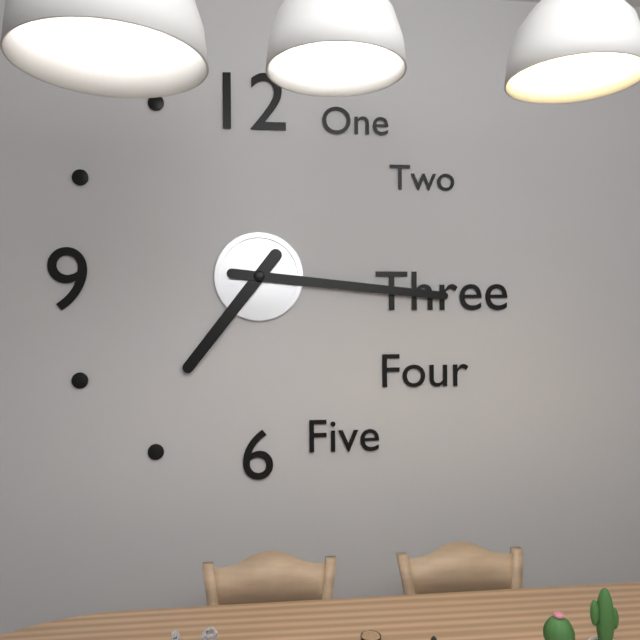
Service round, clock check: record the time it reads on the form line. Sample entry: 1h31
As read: 7h16
